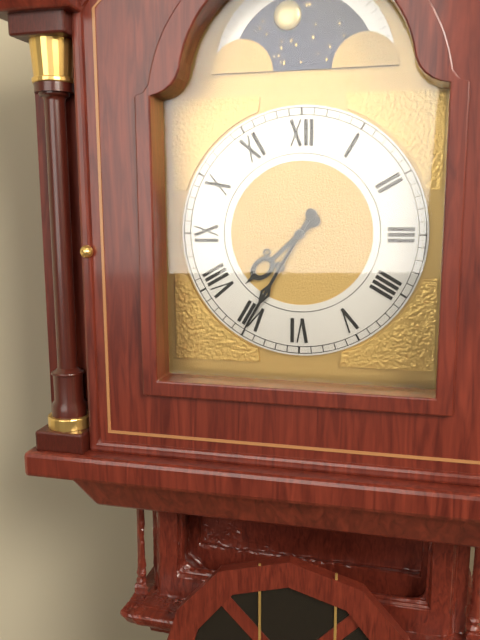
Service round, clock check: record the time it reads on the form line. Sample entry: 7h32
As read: 7h35
